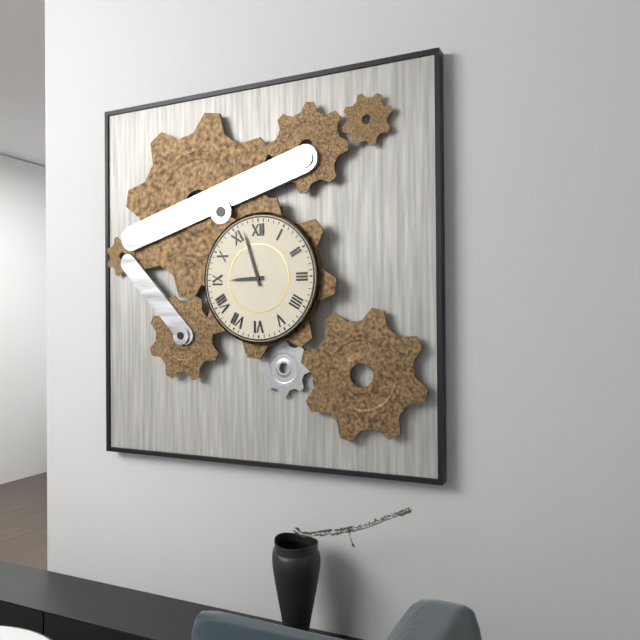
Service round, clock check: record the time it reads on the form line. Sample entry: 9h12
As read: 8h57
